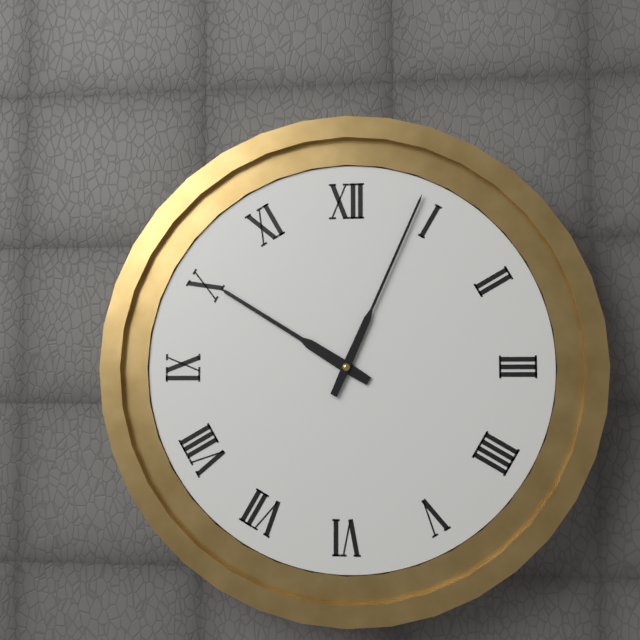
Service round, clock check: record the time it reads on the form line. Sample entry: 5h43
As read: 10h04
